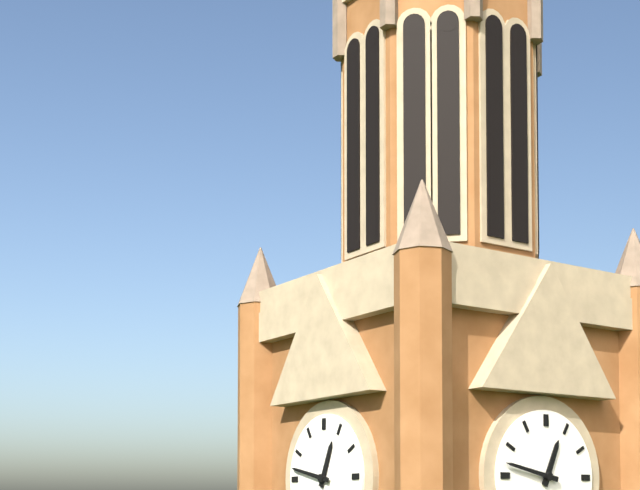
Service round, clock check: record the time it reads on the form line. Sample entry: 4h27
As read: 12h47
